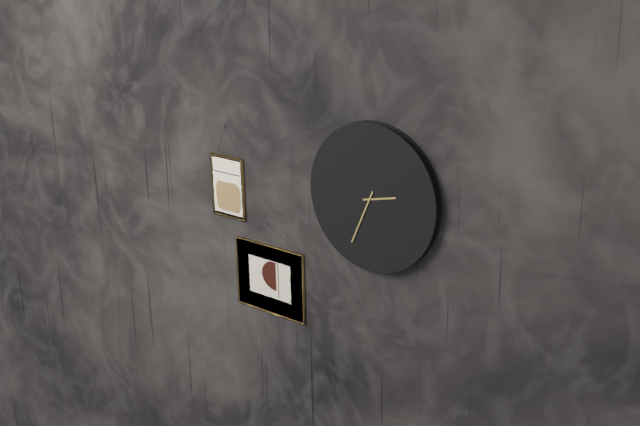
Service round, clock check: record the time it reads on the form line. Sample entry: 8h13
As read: 2h34
